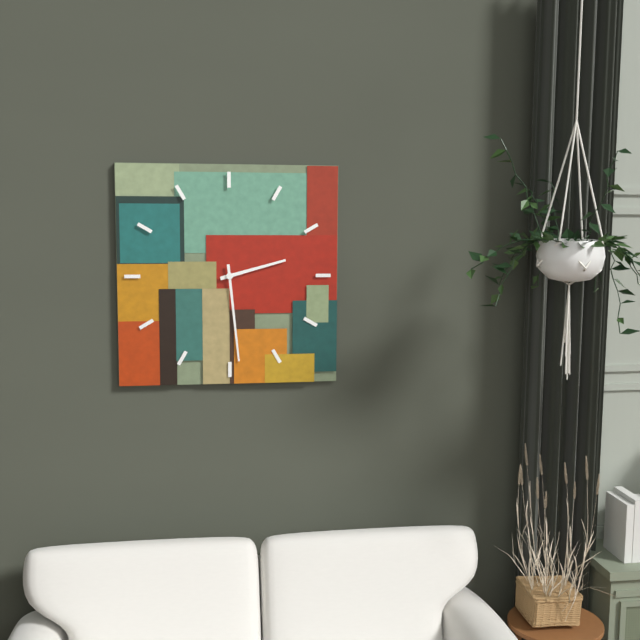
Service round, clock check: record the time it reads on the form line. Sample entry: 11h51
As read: 2h29
